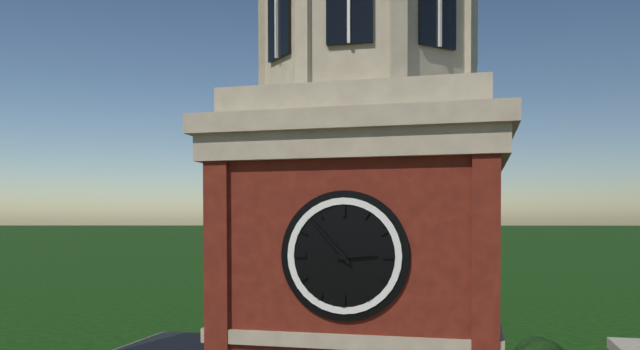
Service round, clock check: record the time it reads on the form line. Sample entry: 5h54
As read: 2h53
